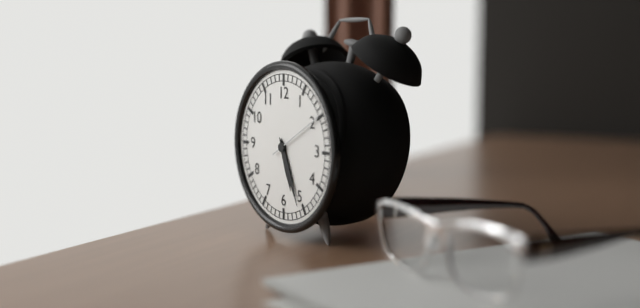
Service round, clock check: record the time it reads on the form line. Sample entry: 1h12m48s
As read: 5h26m10s
